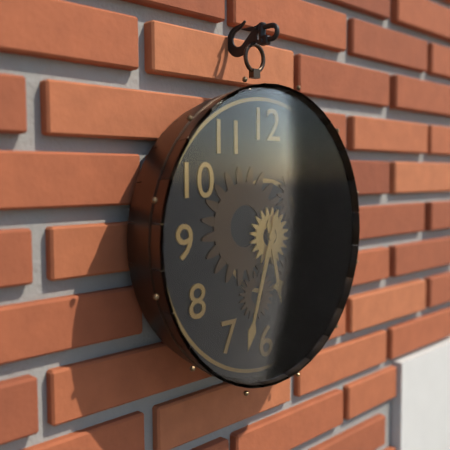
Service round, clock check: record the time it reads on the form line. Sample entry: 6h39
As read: 5h33
